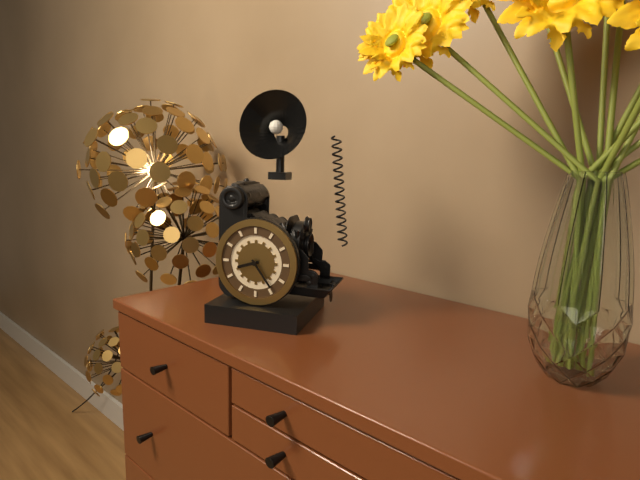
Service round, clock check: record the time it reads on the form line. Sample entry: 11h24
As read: 8h24
